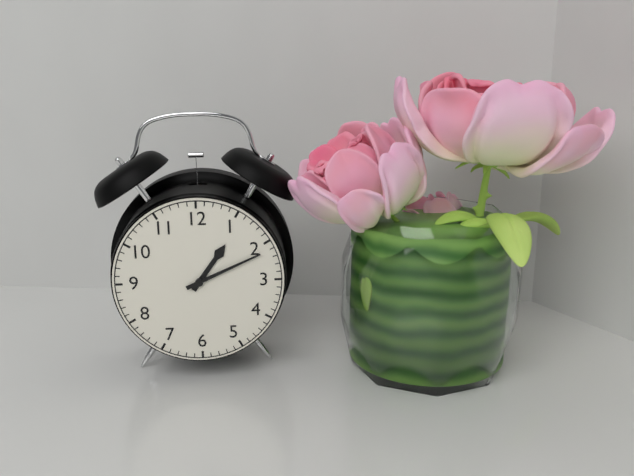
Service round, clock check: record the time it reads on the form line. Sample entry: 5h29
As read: 1h11
